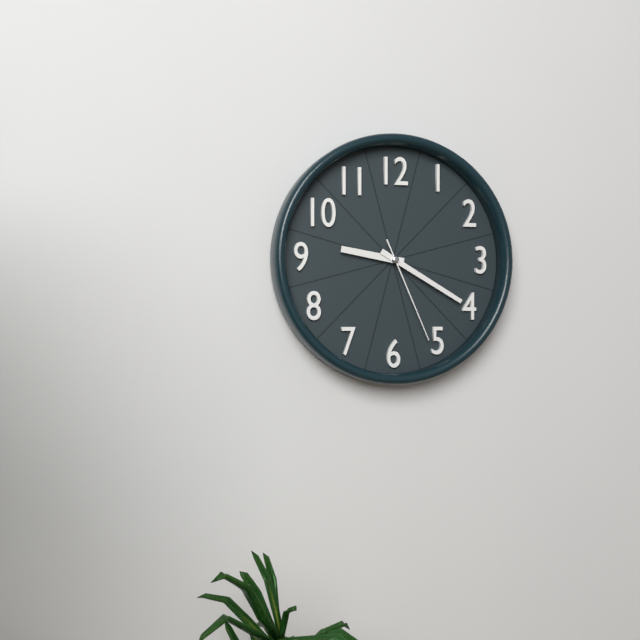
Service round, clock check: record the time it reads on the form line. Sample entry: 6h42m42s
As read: 9h20m26s
